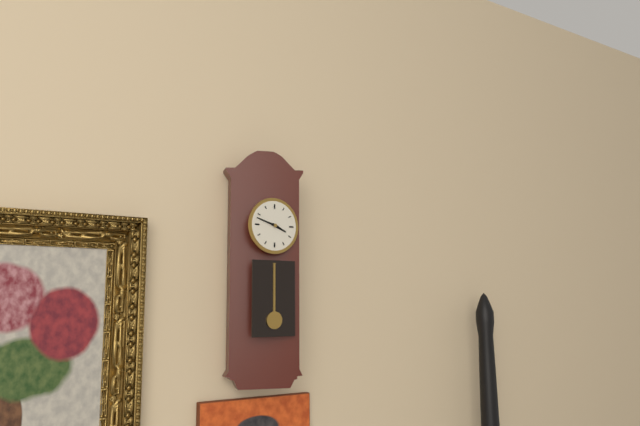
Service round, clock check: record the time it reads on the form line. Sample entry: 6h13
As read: 3h48
